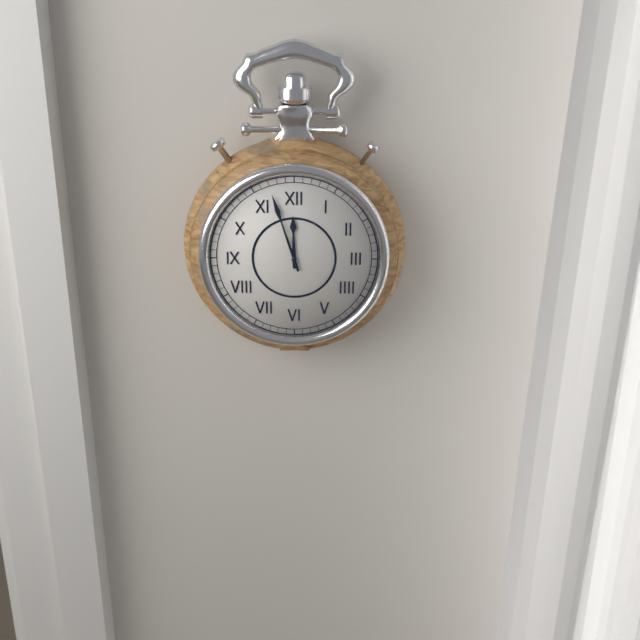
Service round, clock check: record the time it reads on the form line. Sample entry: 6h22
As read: 11h57
